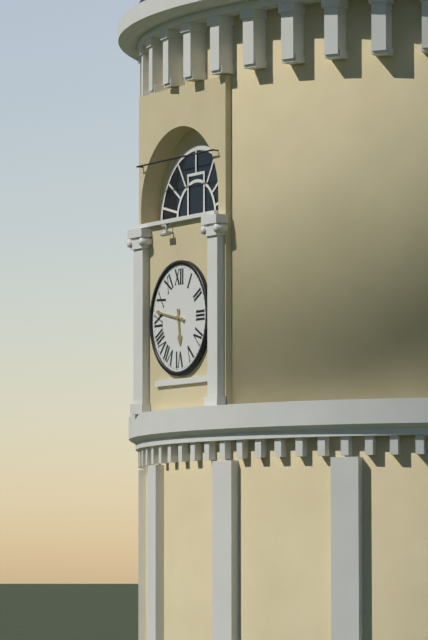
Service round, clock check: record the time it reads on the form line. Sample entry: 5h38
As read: 5h47
